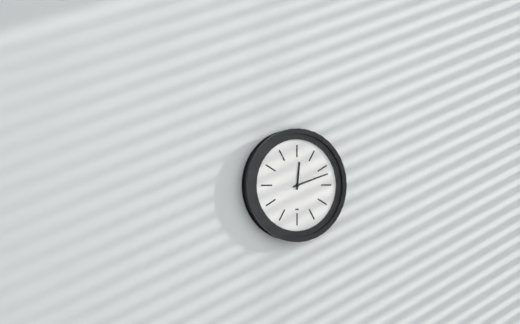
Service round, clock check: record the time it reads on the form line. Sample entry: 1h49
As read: 12h12
